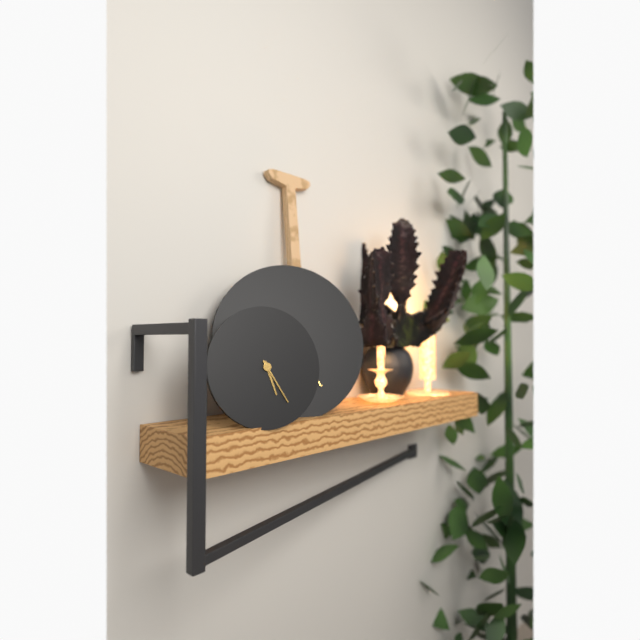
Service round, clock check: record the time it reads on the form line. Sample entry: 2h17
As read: 5h25
